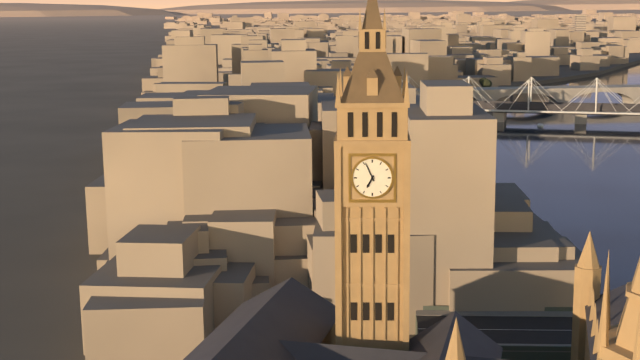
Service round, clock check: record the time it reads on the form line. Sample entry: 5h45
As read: 6h56
